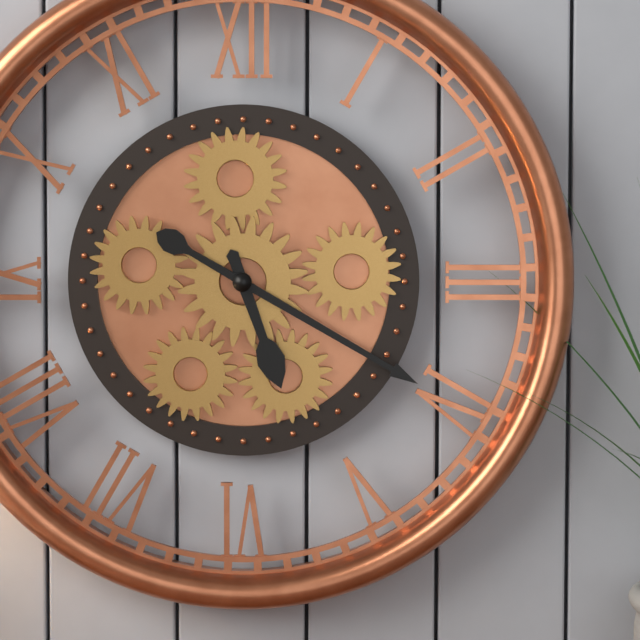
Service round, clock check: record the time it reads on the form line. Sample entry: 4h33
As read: 5h20
